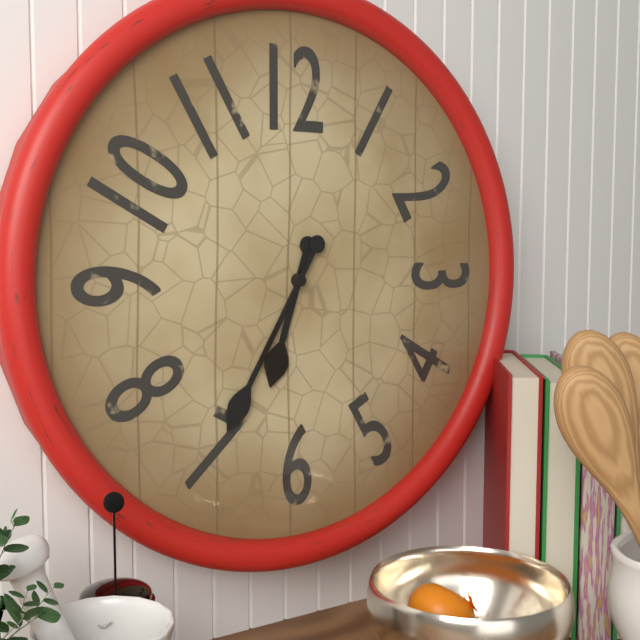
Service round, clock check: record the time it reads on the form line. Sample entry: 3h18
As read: 6h35
